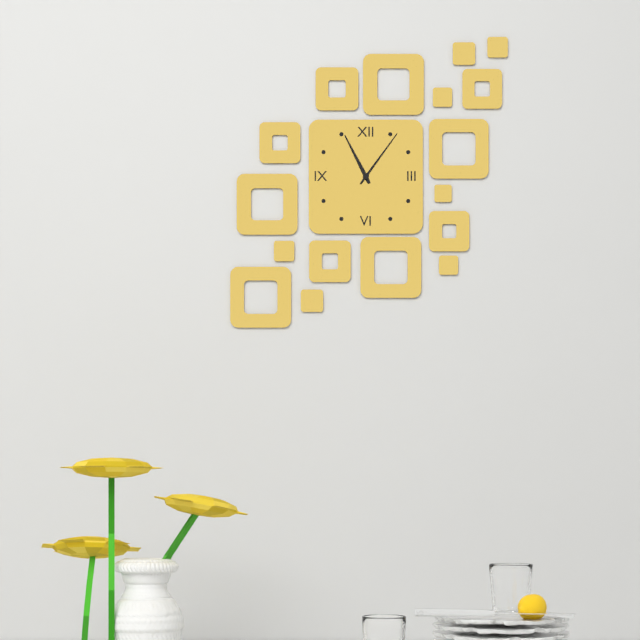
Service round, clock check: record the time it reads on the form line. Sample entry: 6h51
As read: 11h06
